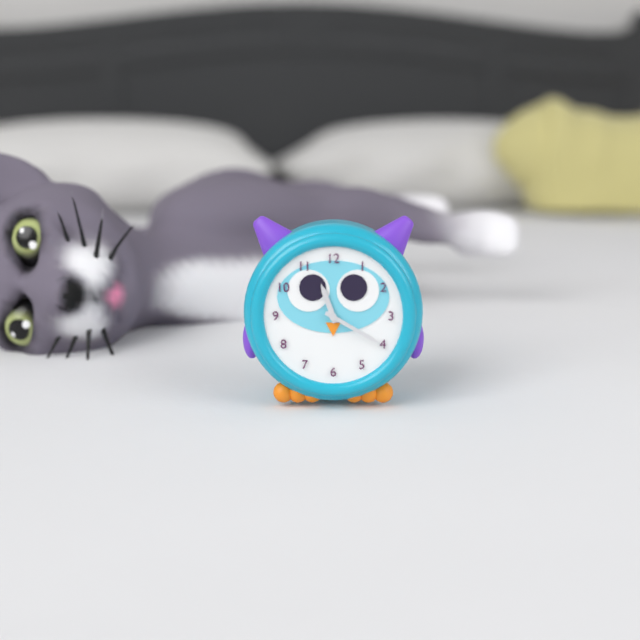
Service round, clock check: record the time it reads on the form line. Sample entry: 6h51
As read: 11h20
